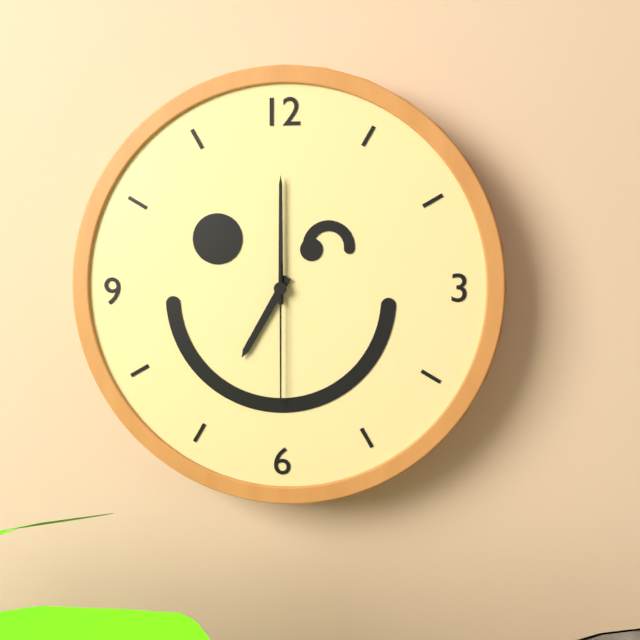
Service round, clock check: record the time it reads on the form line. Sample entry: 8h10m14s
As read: 7h00m30s
